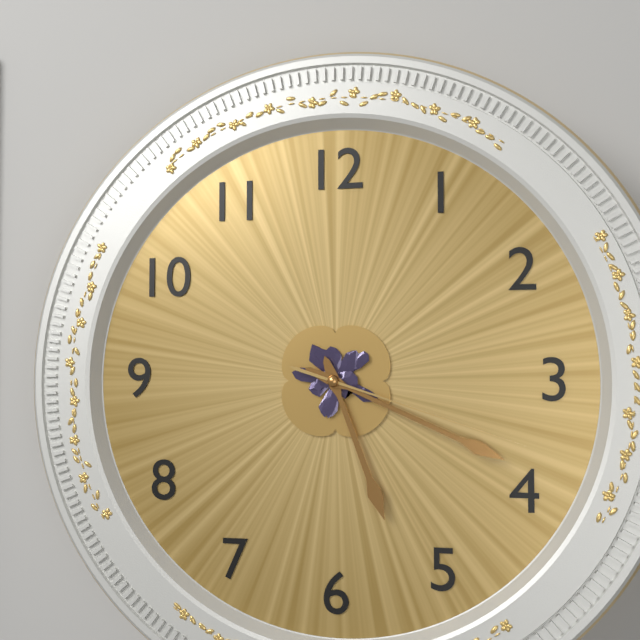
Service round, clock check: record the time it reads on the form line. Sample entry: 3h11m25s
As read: 5h19m18s
